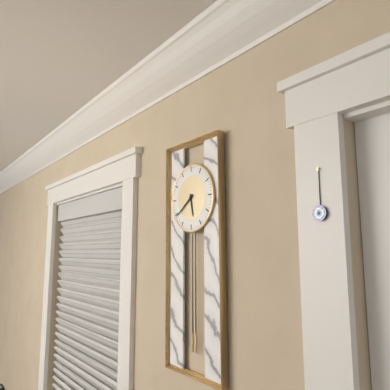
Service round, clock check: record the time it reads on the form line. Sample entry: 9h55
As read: 5h39
